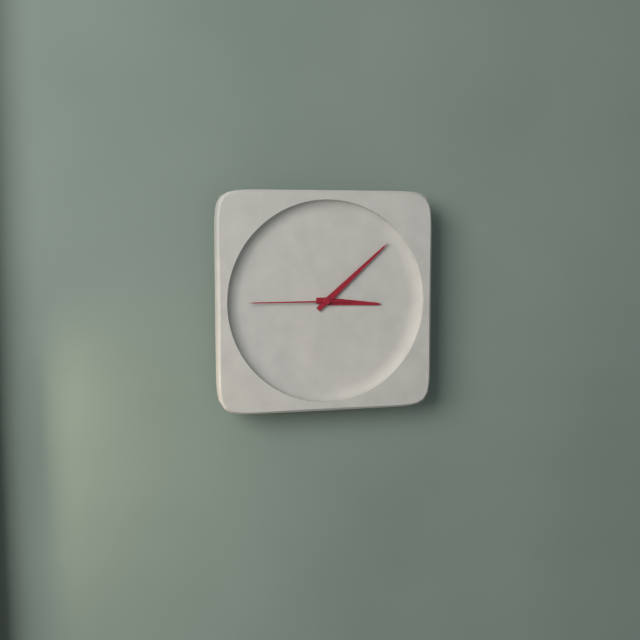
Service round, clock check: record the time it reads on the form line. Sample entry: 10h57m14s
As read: 3h08m45s
